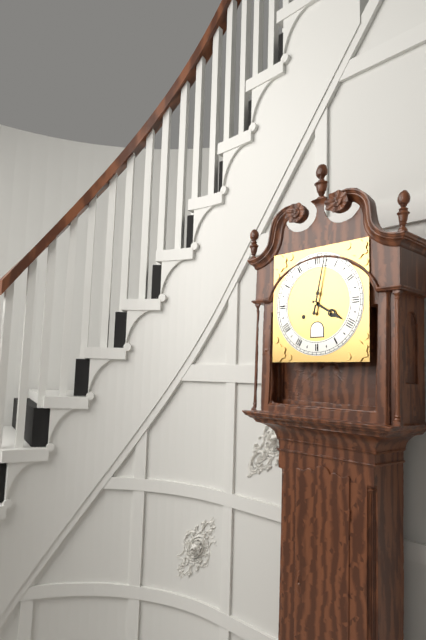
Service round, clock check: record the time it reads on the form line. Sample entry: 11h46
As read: 4h02
